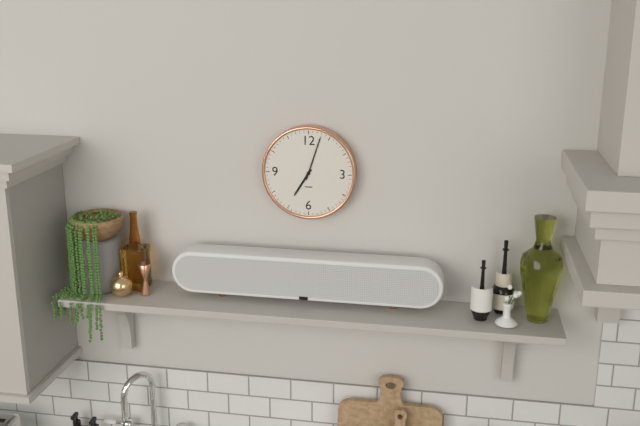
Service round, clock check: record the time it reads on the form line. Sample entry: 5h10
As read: 7h03
